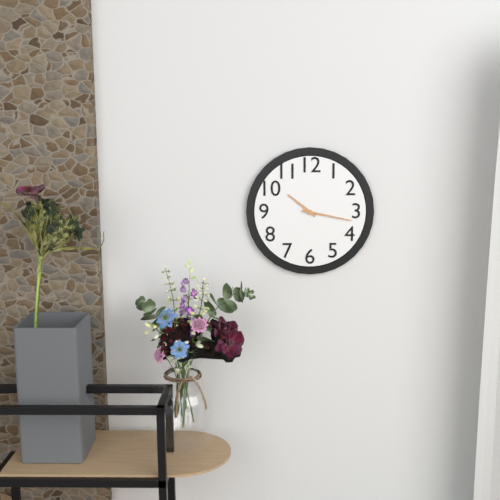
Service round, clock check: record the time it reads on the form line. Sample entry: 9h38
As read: 10h17
